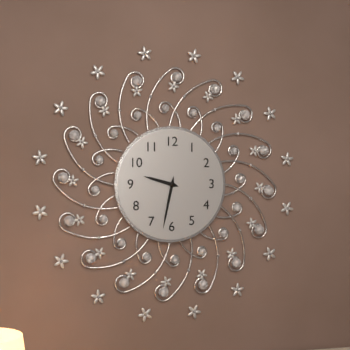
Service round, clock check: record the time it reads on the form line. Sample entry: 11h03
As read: 9h32
